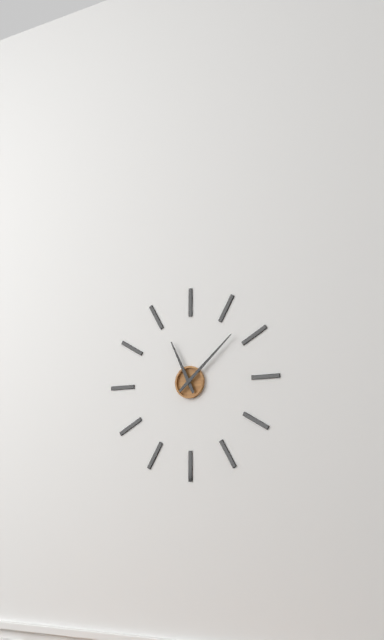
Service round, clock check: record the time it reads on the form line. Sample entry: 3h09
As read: 11h08
